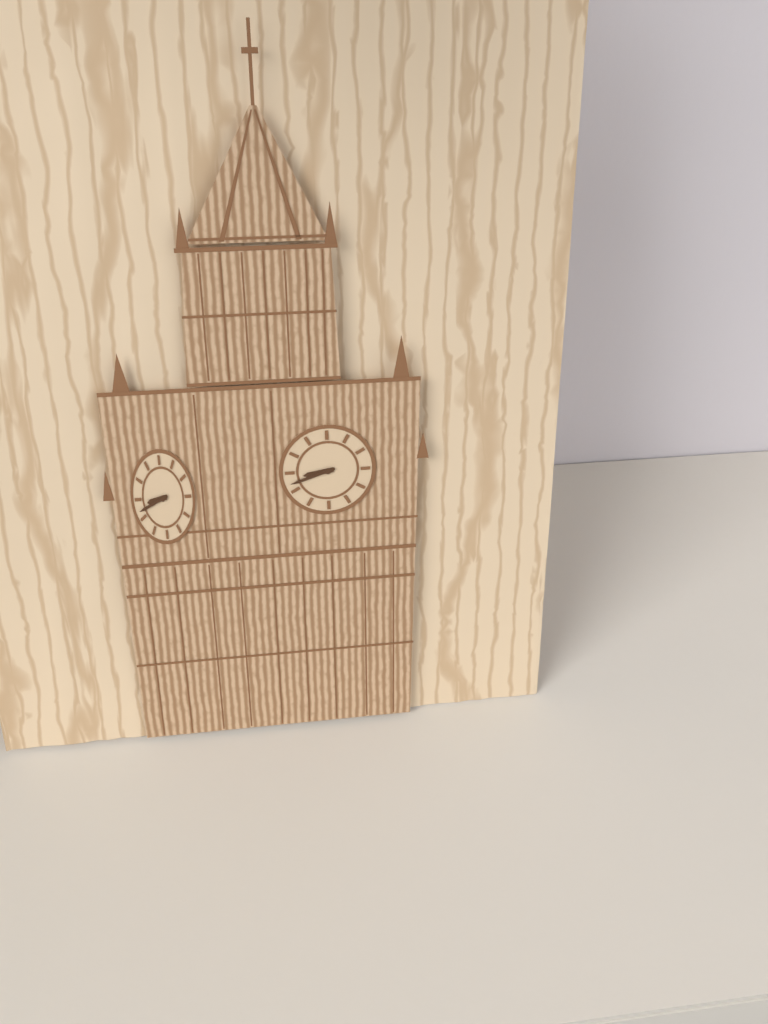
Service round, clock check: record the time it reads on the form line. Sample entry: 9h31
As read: 8h42
